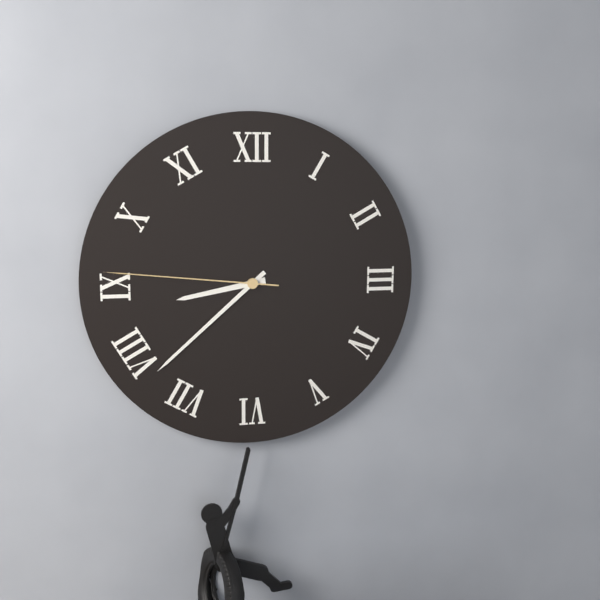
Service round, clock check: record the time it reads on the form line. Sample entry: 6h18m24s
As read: 8h38m46s
